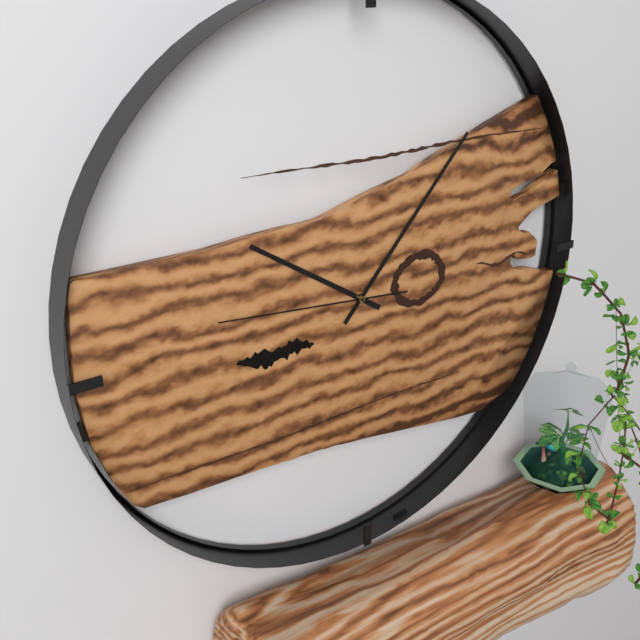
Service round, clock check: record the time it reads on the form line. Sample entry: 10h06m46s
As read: 10h07m46s
